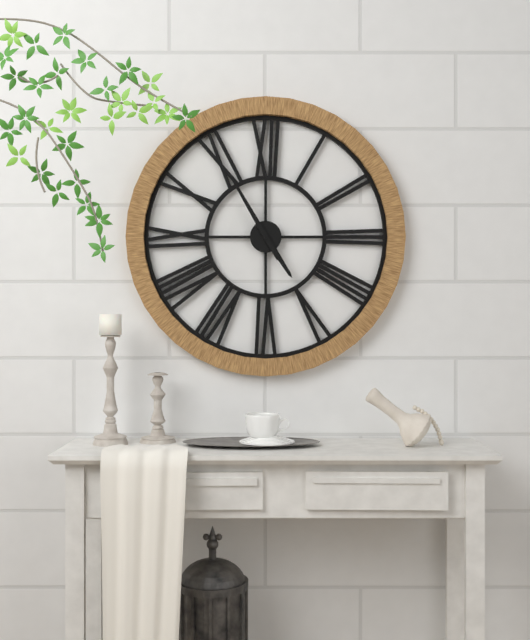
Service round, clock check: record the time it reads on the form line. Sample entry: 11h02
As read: 4h55
